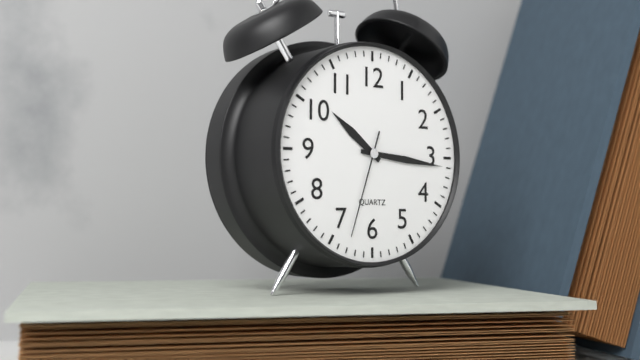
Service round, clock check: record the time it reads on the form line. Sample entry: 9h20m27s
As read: 10h16m33s
